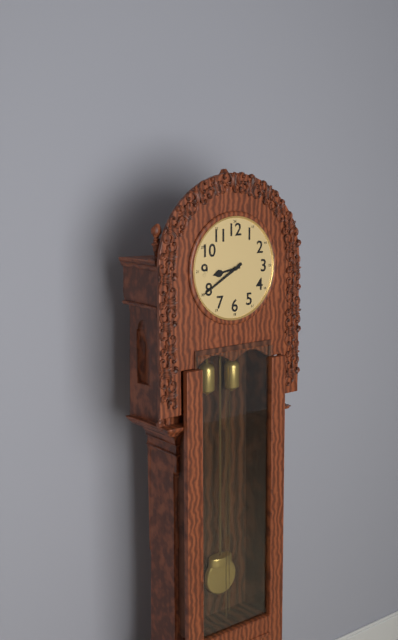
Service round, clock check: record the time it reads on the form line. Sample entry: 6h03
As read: 8h40
